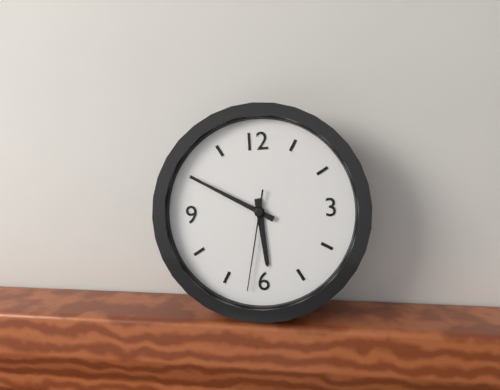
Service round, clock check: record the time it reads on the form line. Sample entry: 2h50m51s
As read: 5h50m32s
